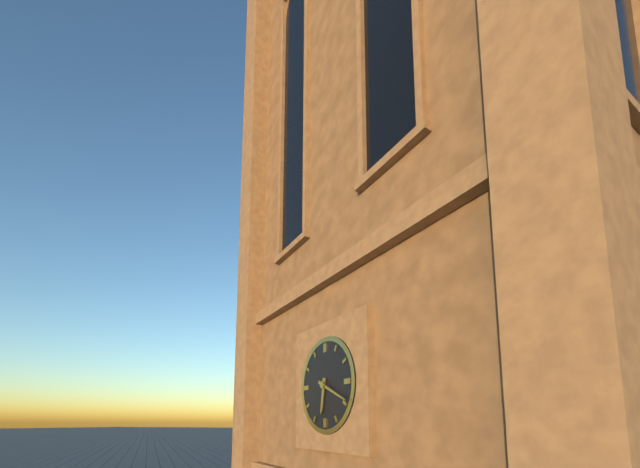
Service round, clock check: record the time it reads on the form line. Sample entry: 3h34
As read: 6h19
